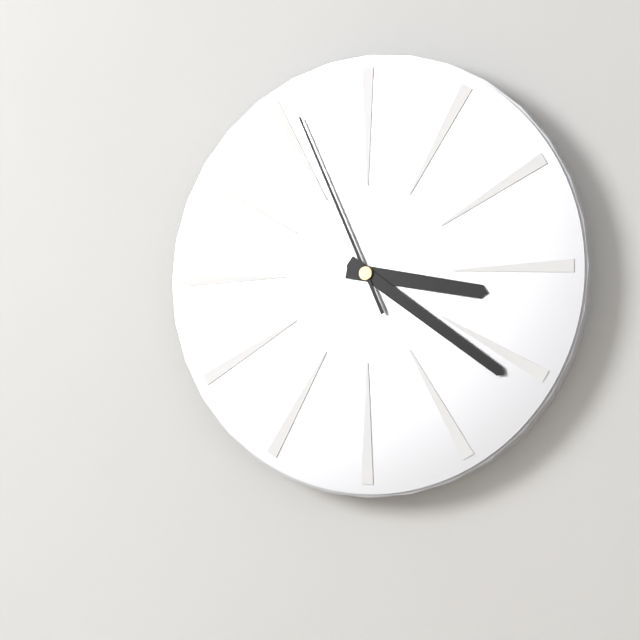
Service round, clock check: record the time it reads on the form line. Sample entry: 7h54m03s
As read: 3h21m56s
